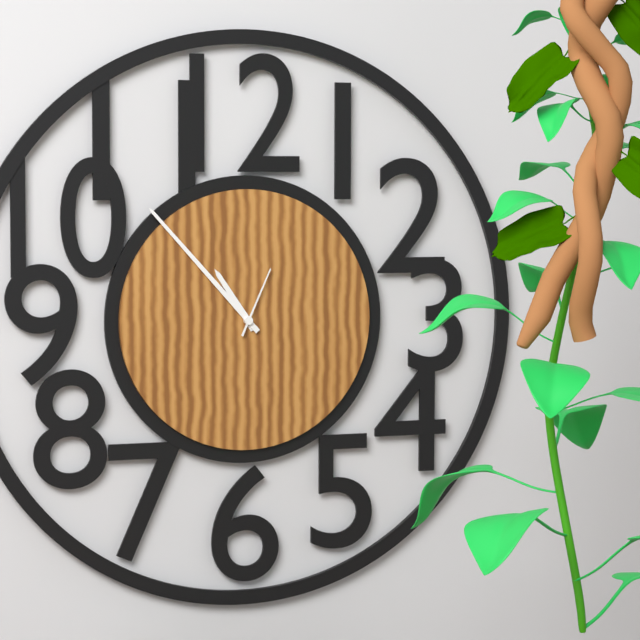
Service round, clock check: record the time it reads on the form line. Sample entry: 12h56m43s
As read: 10h53m04s
